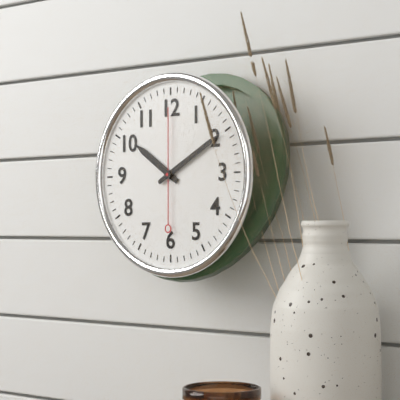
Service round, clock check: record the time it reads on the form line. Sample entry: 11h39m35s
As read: 10h10m00s
